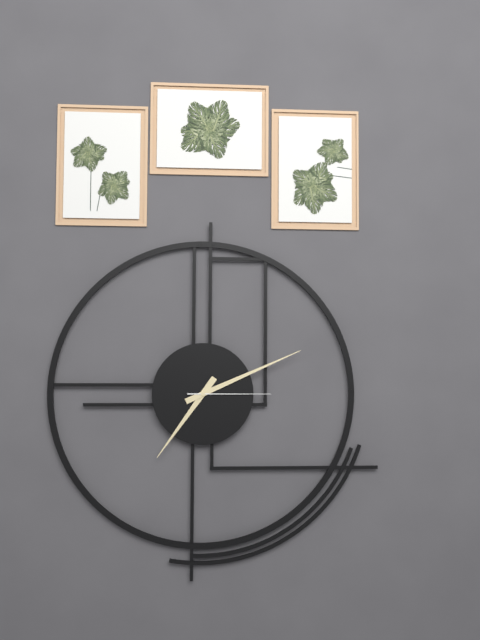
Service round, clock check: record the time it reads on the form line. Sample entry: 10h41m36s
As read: 7h11m15s
